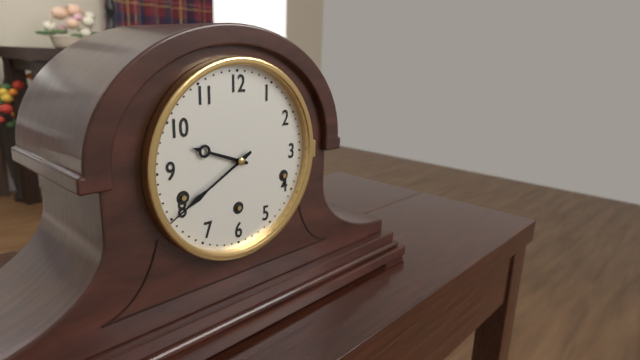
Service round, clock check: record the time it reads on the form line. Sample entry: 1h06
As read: 9h40
